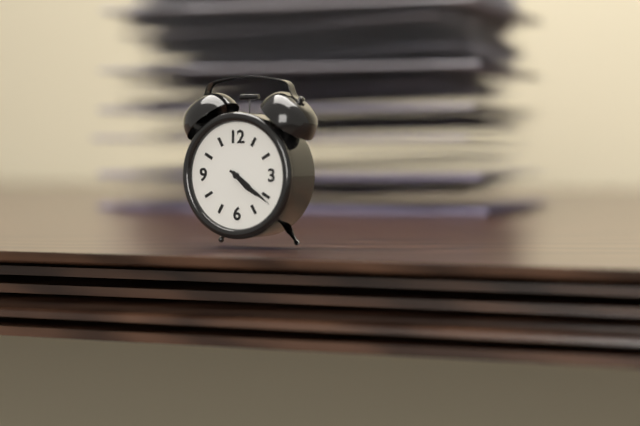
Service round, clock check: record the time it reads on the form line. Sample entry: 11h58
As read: 4h21
